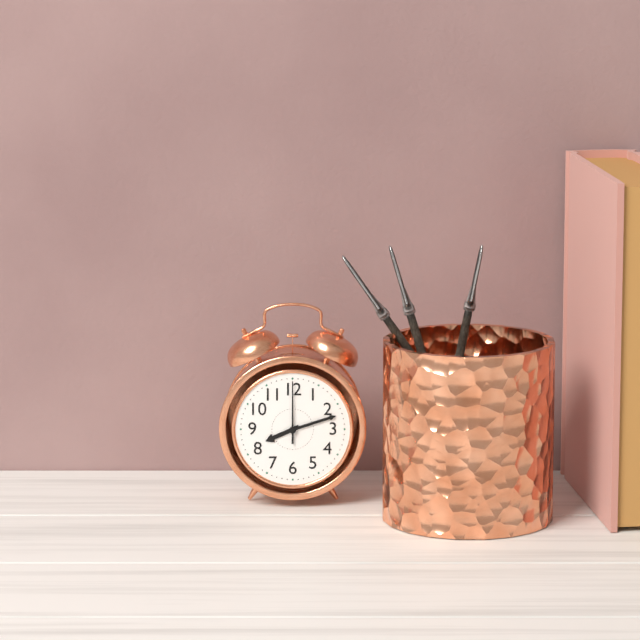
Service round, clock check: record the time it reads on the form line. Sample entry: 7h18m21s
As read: 8h12m00s
